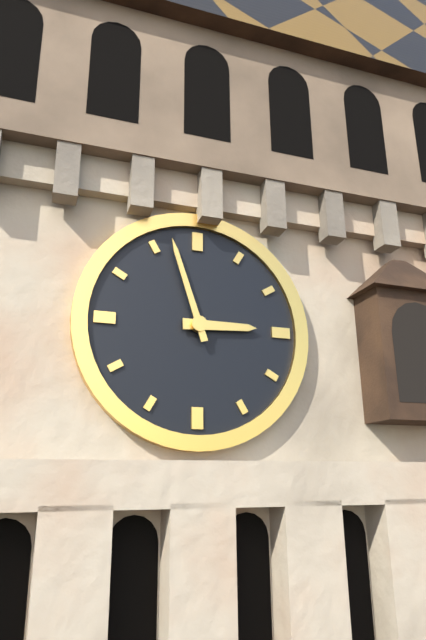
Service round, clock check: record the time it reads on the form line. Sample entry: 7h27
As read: 2h57
